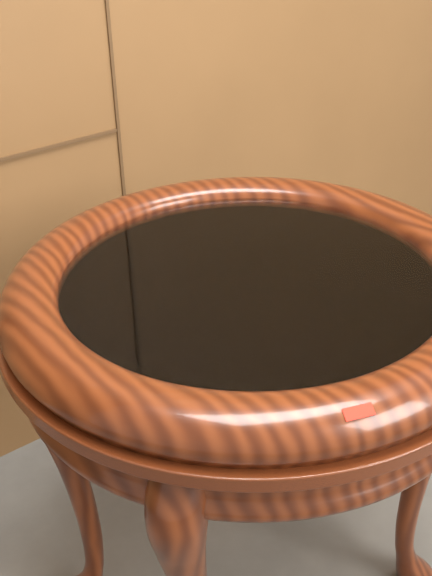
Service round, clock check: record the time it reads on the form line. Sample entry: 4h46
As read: 7h00
